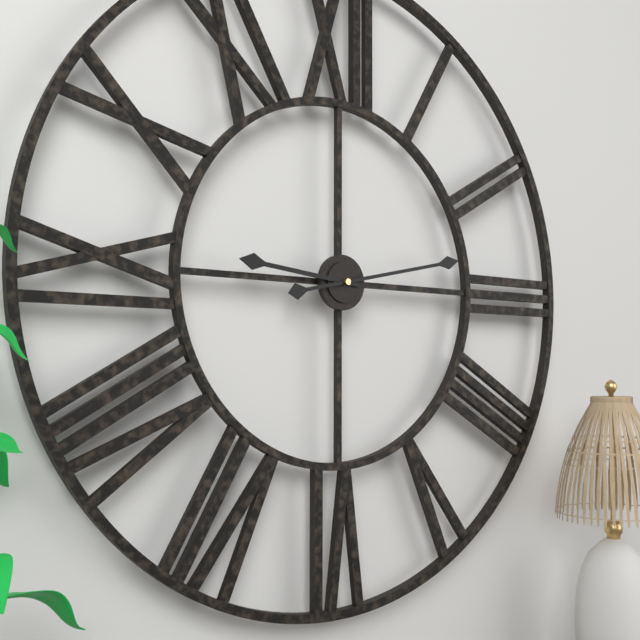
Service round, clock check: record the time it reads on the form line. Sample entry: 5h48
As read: 9h13
